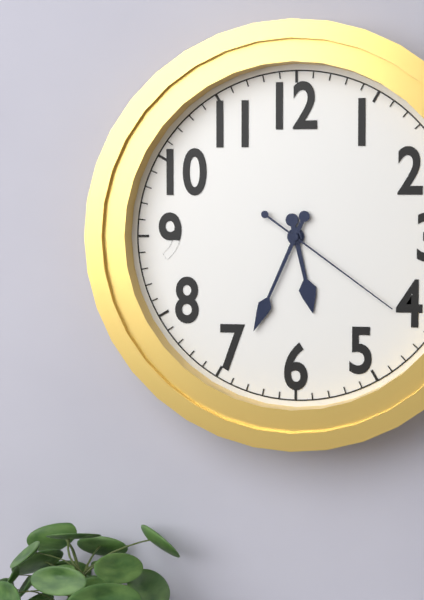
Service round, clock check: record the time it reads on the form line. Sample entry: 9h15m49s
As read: 5h34m21s
